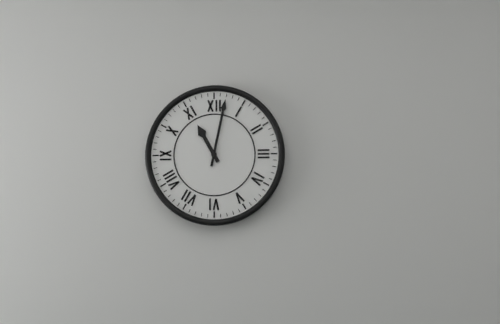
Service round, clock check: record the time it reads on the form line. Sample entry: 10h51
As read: 11h02
